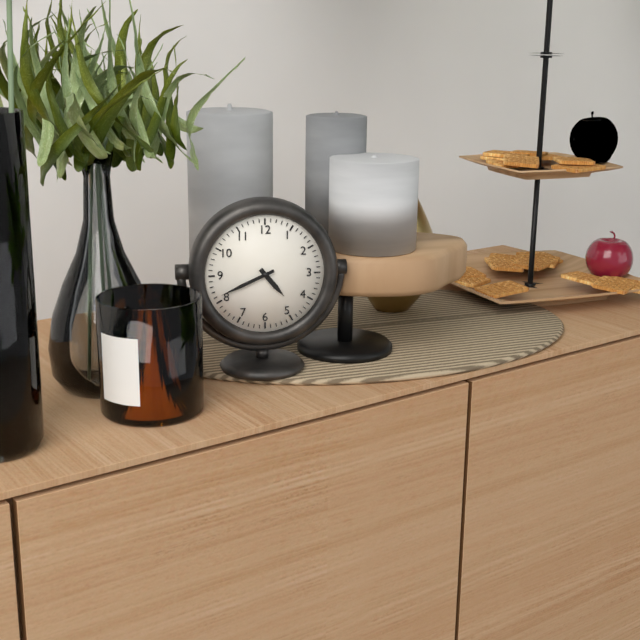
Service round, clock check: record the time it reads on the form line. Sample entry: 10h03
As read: 4h41
